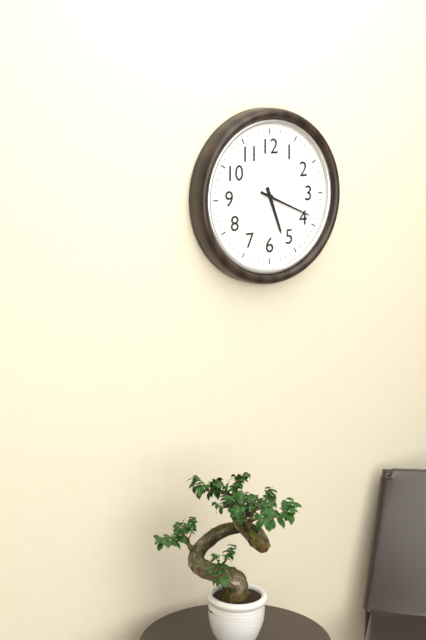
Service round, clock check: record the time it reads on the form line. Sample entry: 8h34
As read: 5h19
